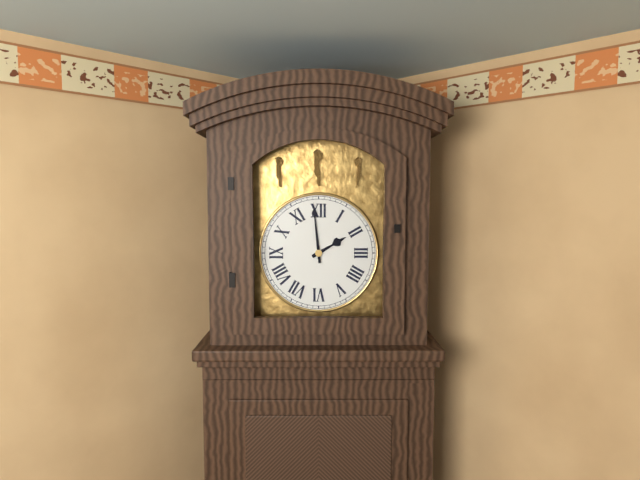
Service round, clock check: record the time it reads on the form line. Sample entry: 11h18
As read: 1h59
